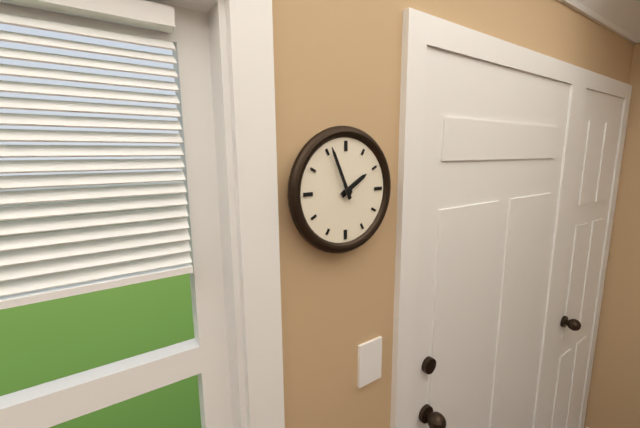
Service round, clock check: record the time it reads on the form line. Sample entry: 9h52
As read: 1h56
